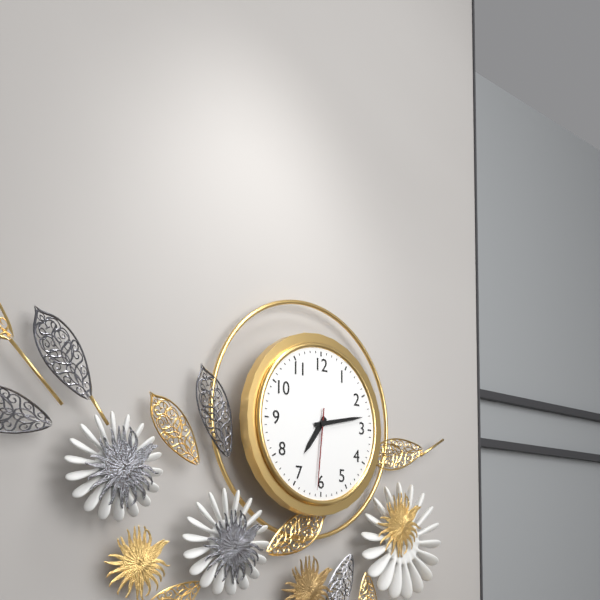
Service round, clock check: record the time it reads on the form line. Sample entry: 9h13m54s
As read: 7h13m31s
